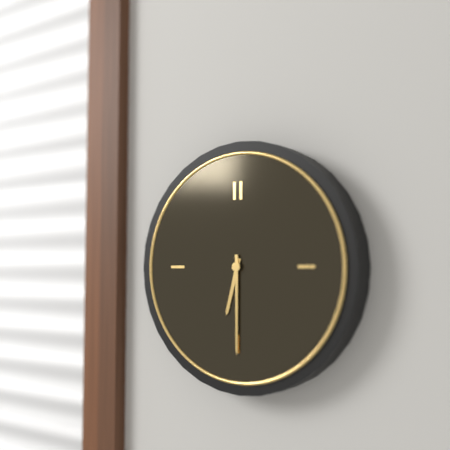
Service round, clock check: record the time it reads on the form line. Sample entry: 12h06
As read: 6h30
